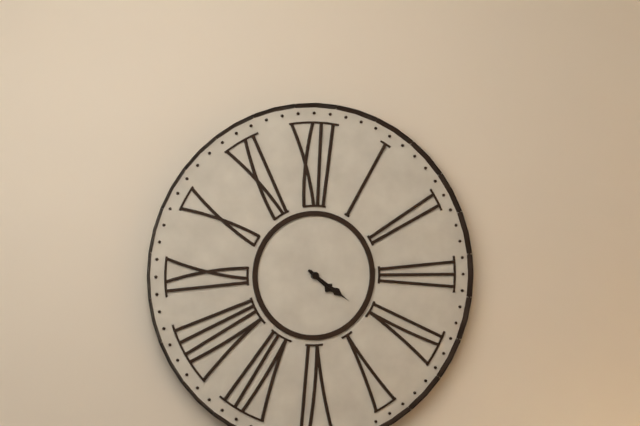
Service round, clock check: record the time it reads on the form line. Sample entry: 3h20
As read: 4h21
